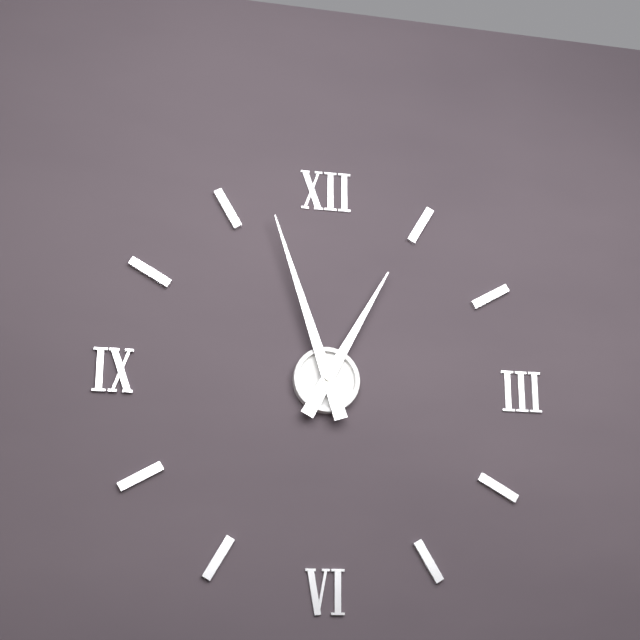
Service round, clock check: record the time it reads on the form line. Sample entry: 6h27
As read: 12h57
